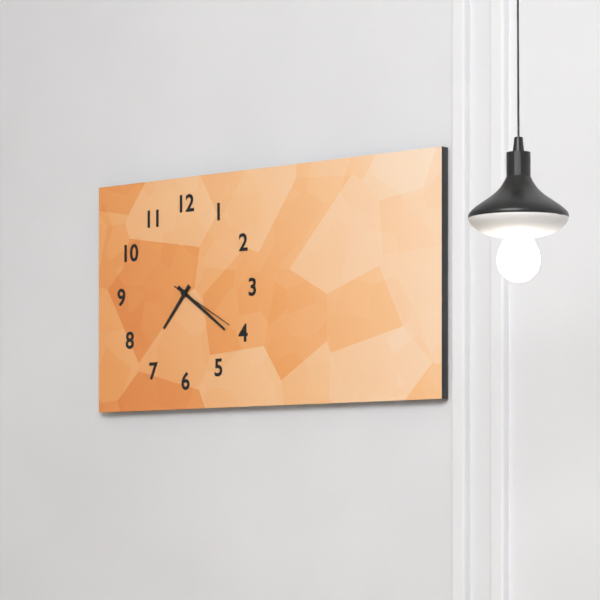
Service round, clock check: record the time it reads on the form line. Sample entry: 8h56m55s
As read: 7h21m20s
